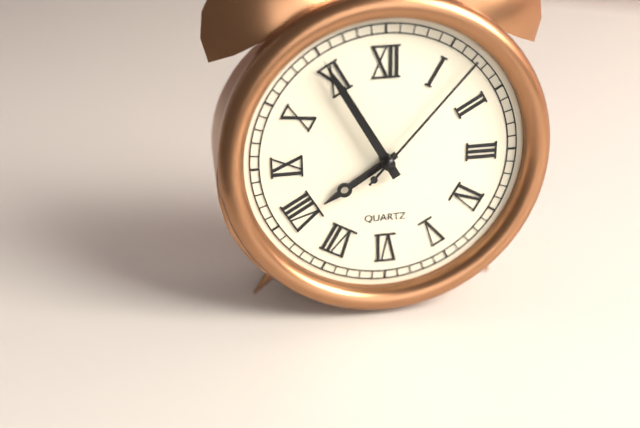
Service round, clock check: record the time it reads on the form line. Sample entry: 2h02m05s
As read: 7h55m07s
